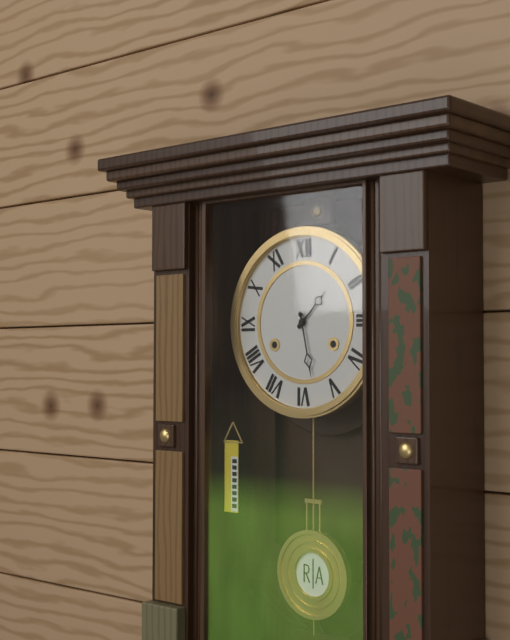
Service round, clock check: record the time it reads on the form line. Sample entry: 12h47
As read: 1h28
